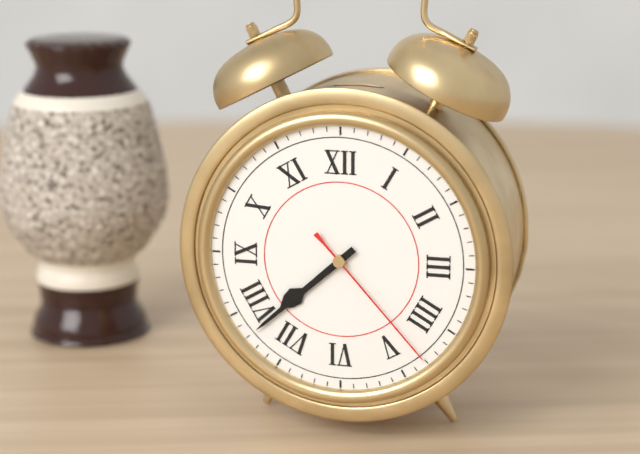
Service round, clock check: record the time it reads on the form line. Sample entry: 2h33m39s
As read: 7h38m23s
